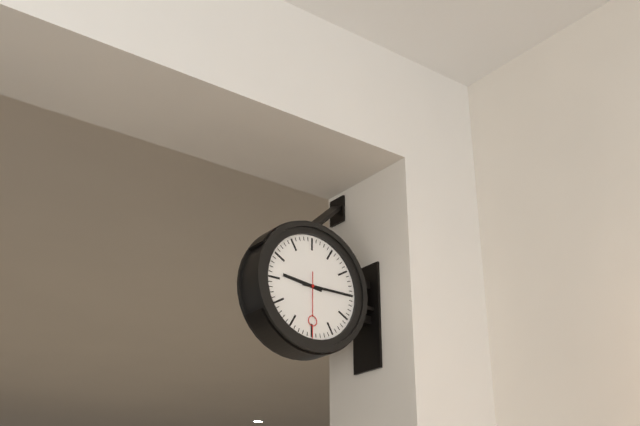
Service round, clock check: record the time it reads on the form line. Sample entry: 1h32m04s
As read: 9h15m30s
